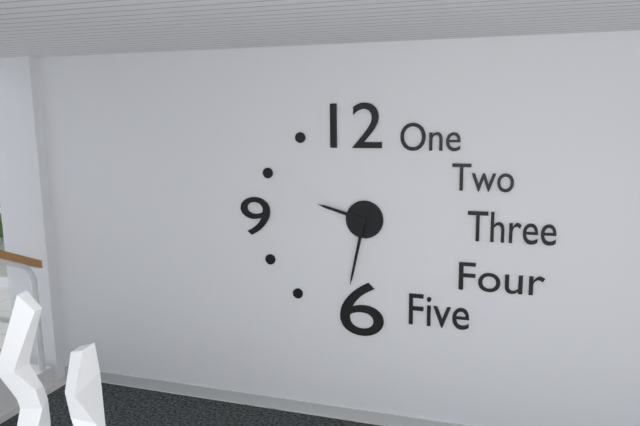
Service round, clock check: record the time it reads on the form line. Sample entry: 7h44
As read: 9h32
